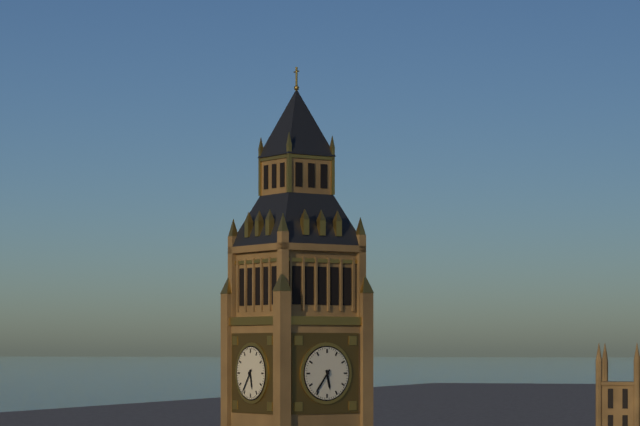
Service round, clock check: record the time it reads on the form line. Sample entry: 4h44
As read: 5h36
